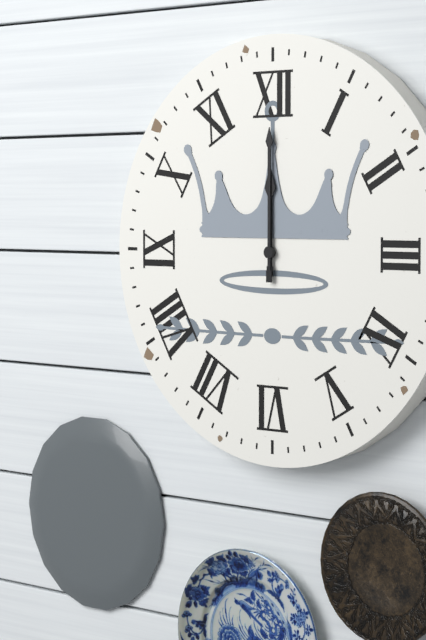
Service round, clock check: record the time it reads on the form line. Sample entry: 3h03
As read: 12h00
